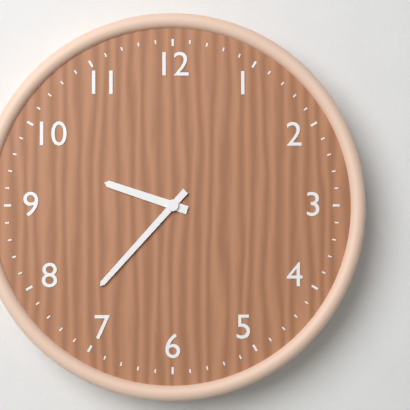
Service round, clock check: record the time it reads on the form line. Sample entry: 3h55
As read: 9h37
